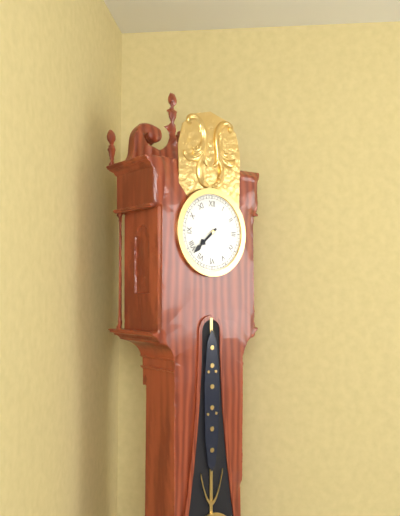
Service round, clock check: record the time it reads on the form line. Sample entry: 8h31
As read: 7h38
